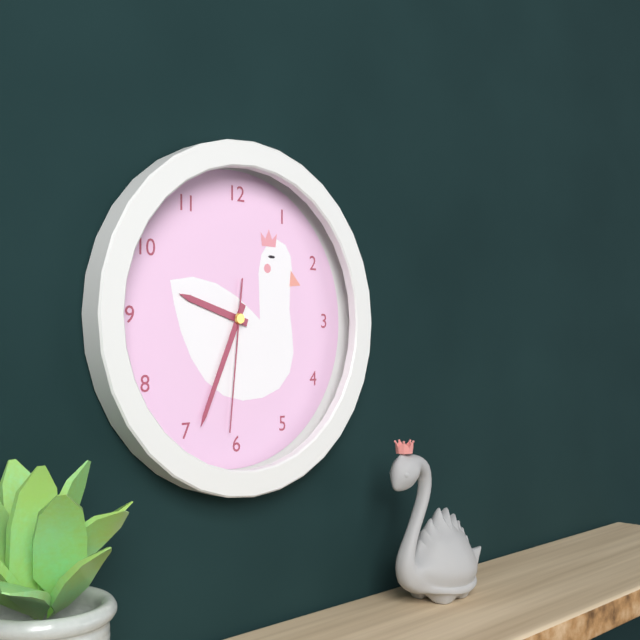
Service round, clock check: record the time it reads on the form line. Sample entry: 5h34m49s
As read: 9h34m31s
